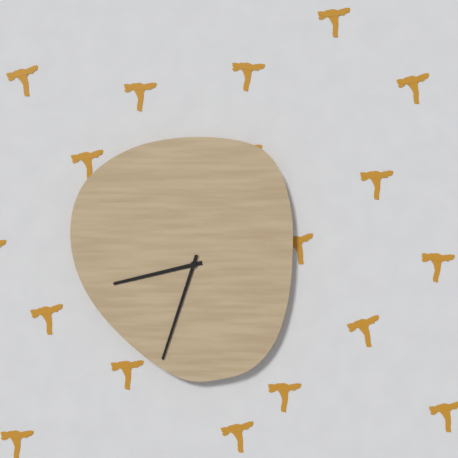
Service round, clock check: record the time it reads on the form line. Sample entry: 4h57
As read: 8h33
